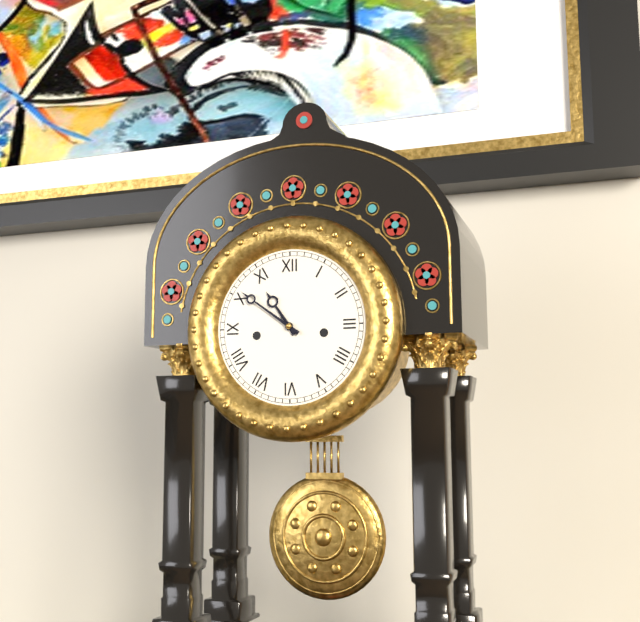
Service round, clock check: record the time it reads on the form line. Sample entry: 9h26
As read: 10h51
